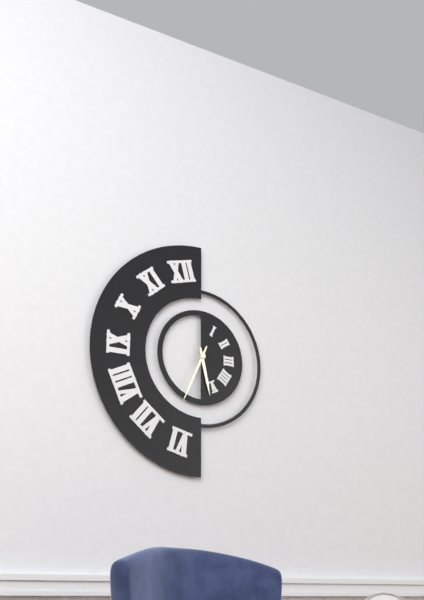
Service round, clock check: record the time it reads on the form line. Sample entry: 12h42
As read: 5h34
